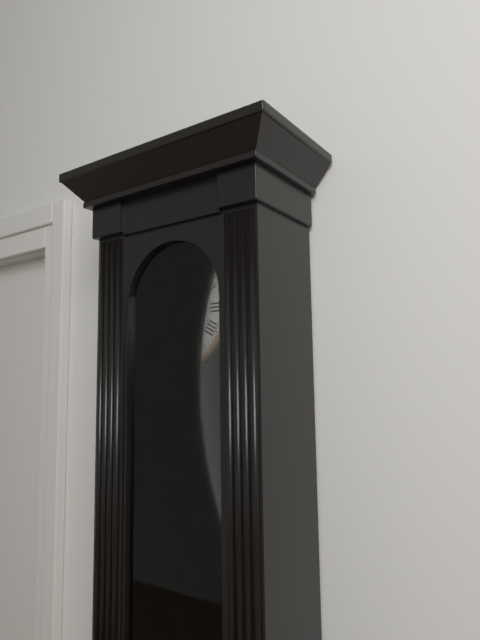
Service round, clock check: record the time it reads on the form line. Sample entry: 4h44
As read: 1h03
